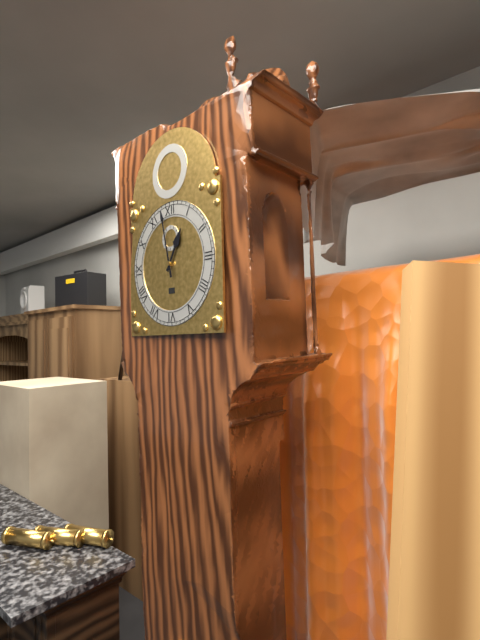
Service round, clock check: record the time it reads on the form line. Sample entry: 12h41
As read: 12h58
